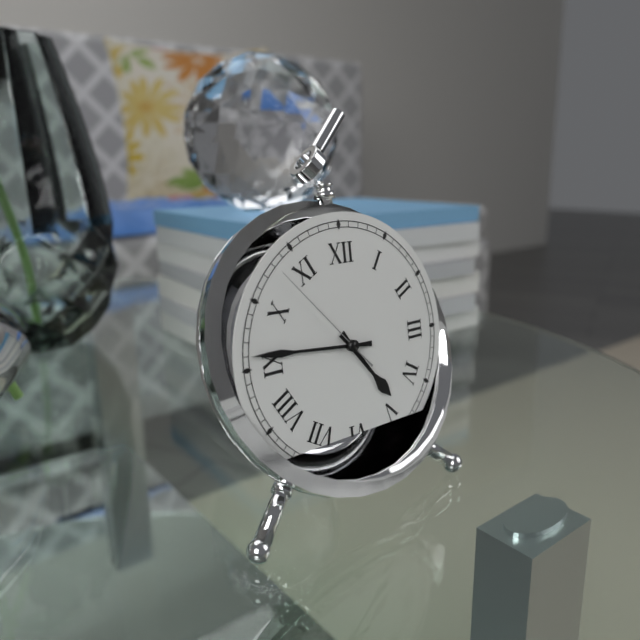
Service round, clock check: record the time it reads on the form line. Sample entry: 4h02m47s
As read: 4h46m53s
